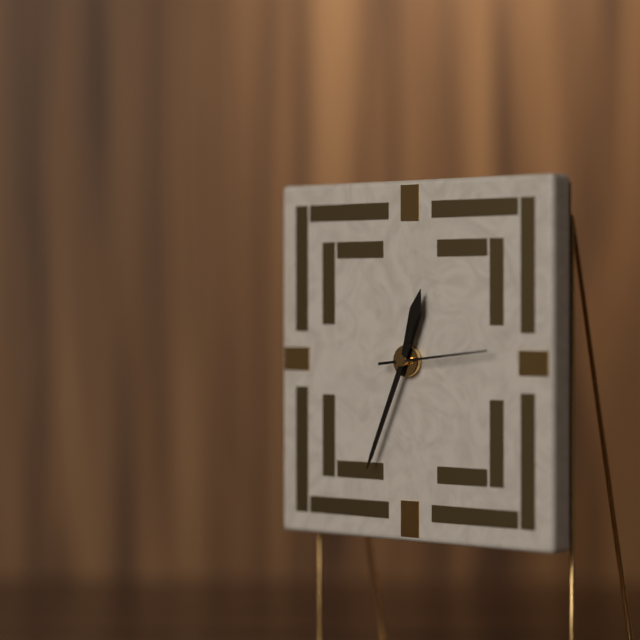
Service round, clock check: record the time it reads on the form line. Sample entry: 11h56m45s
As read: 12h34m14s
